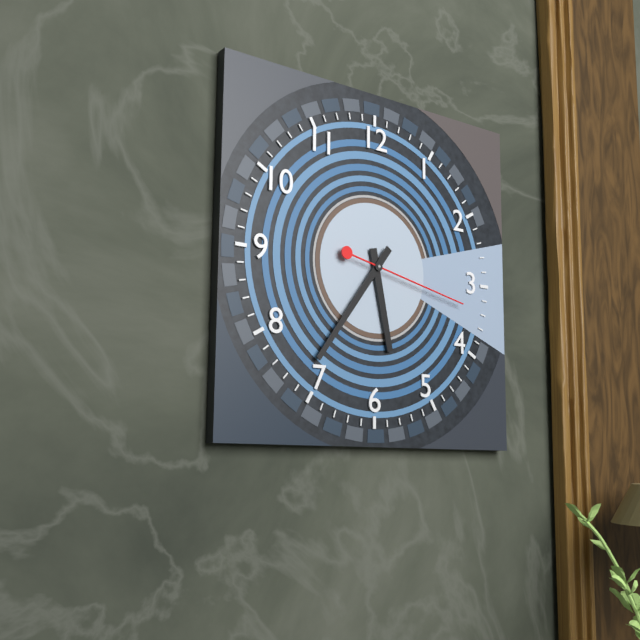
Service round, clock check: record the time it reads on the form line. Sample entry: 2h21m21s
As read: 5h36m17s
